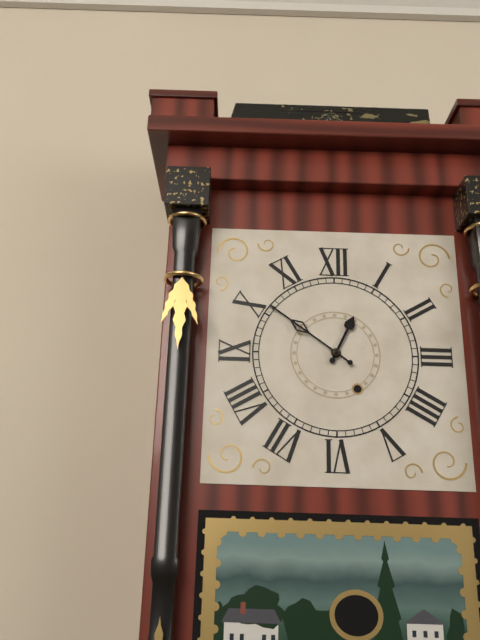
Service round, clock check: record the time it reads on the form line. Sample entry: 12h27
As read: 12h51
